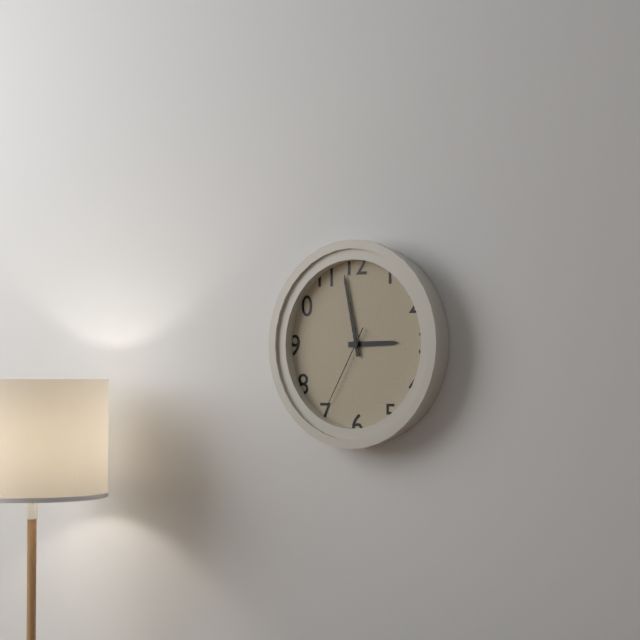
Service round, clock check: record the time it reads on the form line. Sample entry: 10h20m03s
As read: 2h58m35s
